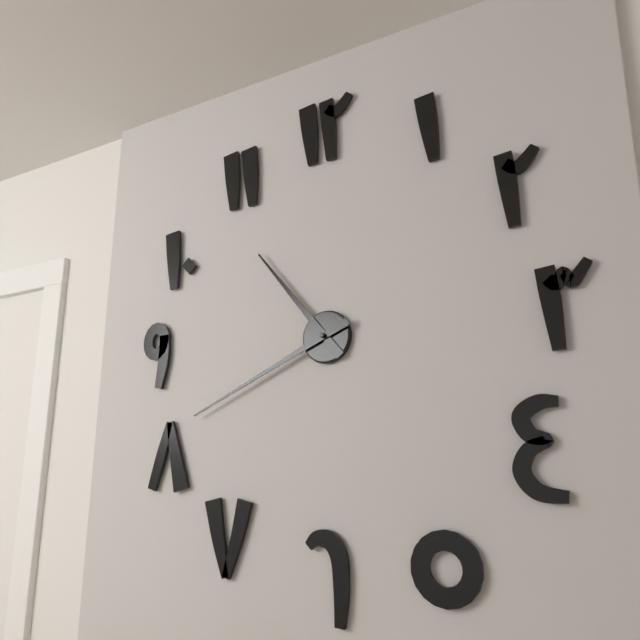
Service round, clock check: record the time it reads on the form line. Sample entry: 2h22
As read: 10h41
